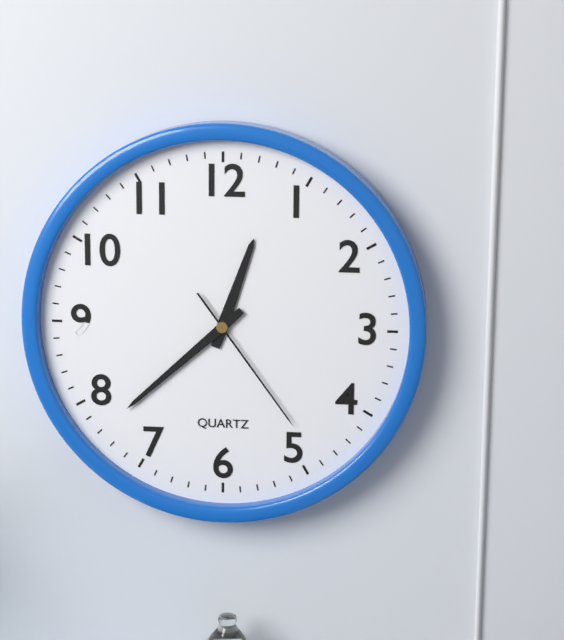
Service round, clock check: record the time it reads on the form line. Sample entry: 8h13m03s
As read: 12h38m24s
